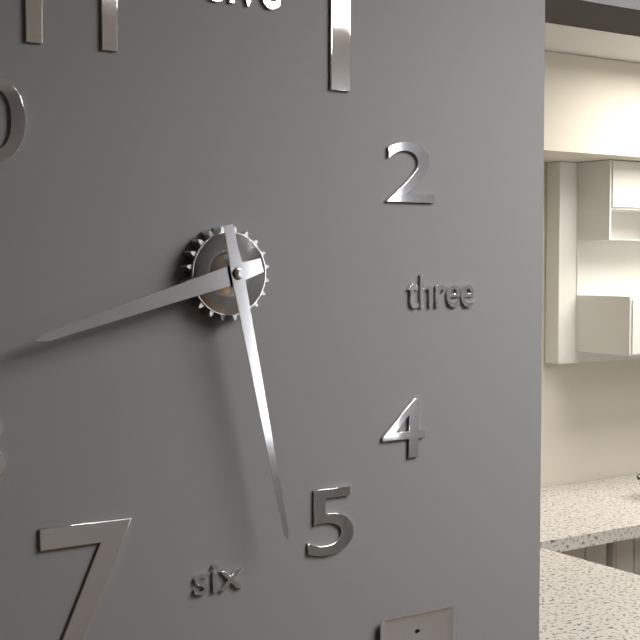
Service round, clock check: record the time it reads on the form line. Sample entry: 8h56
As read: 8h28
